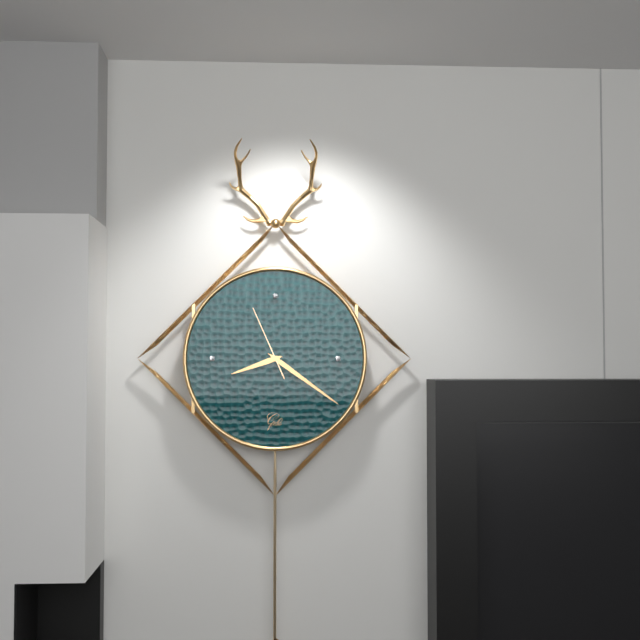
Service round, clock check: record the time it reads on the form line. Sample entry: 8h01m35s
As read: 8h21m56s
